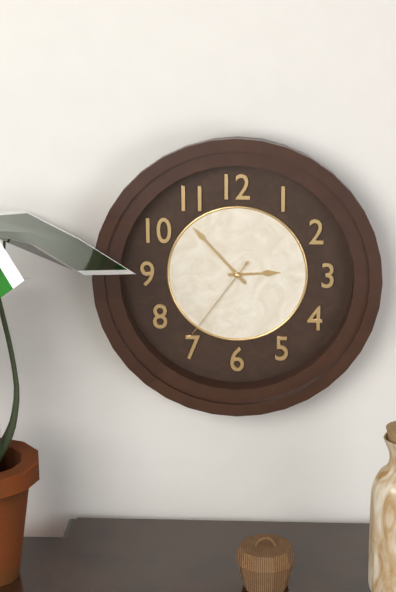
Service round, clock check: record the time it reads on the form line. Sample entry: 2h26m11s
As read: 2h53m36s
